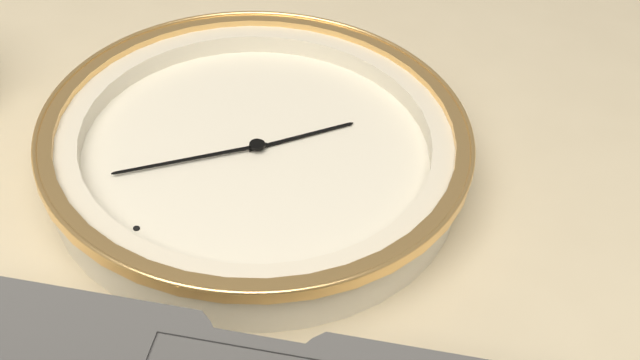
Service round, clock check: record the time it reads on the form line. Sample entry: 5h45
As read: 6h01
